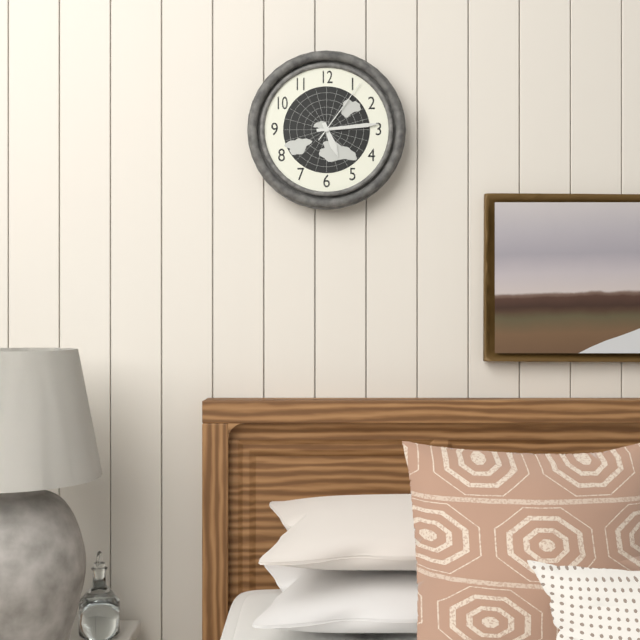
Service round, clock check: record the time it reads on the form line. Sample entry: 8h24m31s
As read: 5h14m06s
